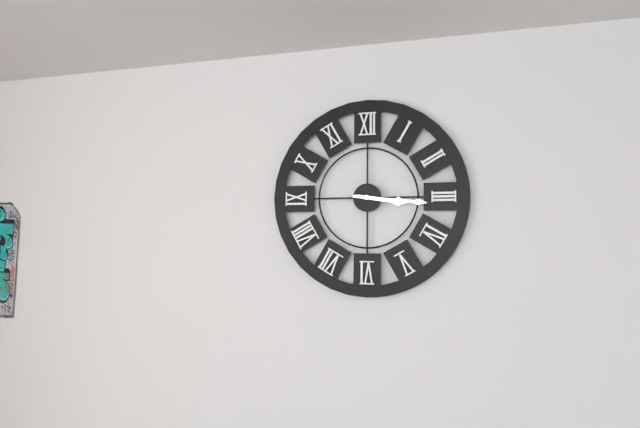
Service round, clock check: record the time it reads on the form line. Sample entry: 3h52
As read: 3h16
